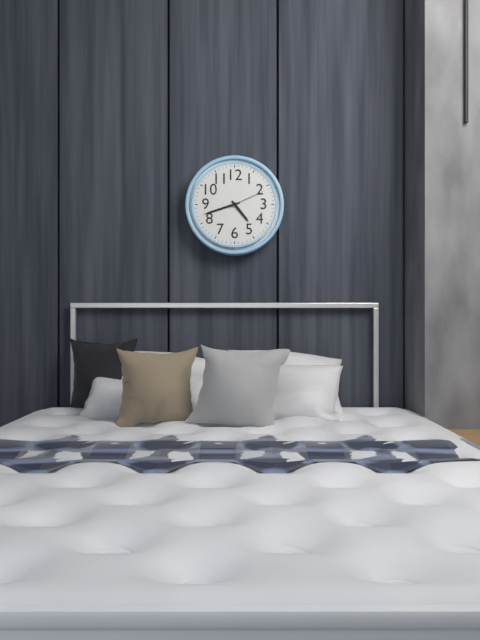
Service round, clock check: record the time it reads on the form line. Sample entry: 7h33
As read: 4h42
